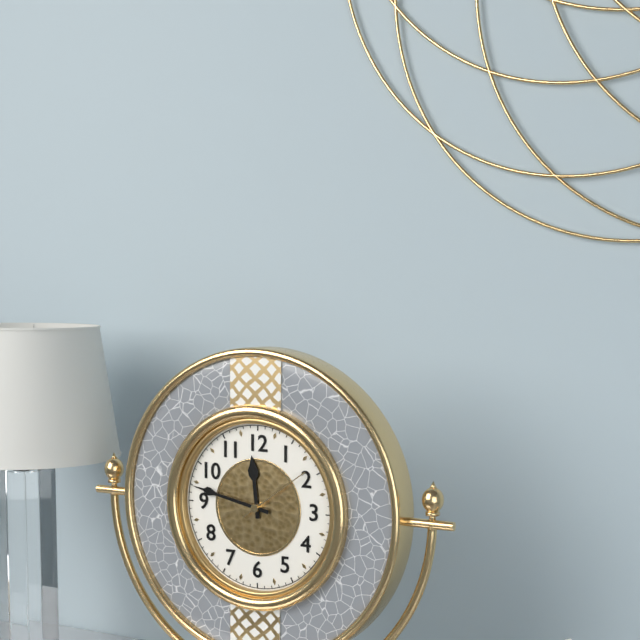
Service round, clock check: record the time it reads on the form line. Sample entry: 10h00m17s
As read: 11h47m09s
